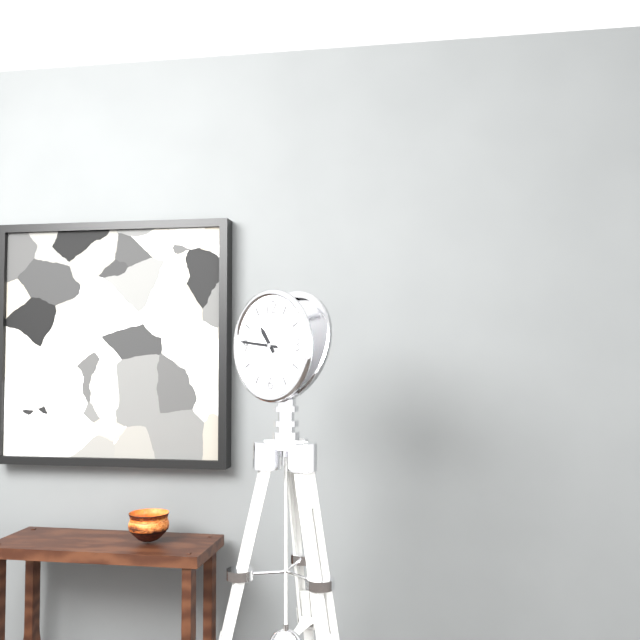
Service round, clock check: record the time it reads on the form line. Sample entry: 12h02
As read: 10h46
